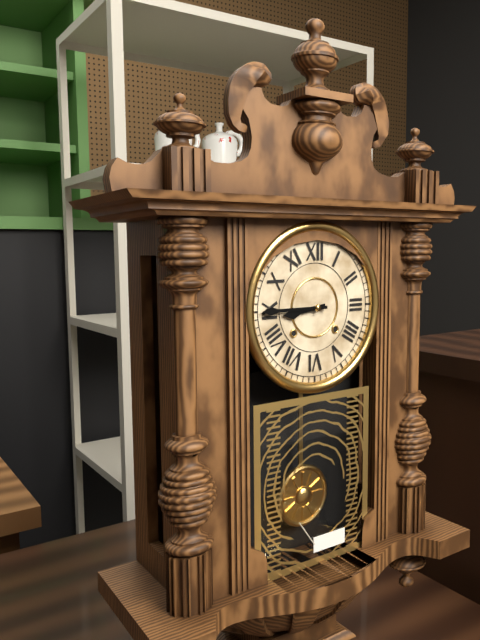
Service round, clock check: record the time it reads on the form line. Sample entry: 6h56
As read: 8h45
